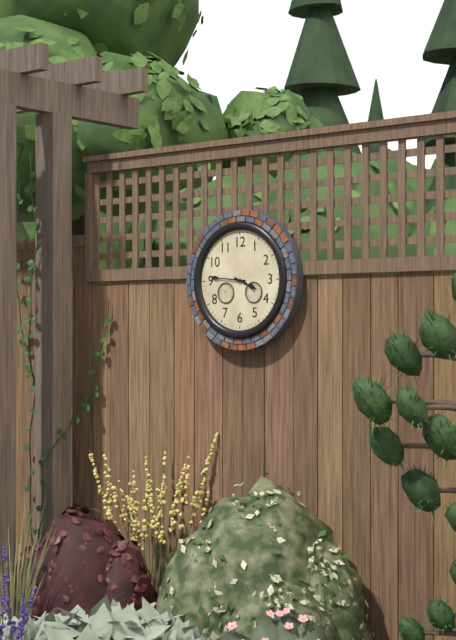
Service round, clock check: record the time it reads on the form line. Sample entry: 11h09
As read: 3h46
